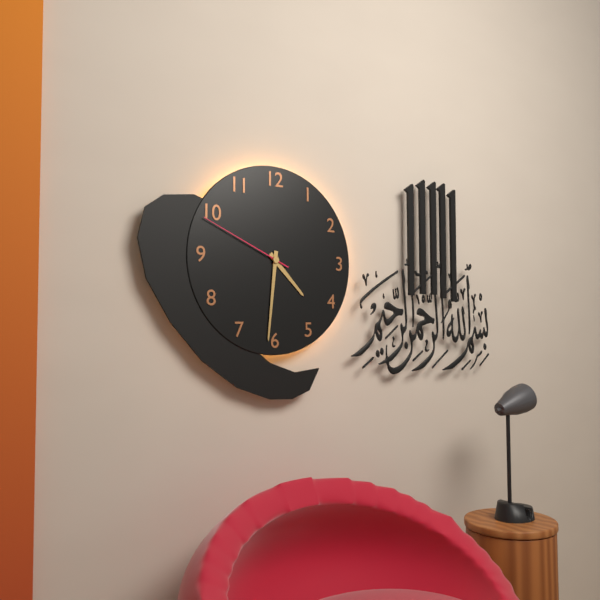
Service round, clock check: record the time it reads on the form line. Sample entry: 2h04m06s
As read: 4h31m49s
